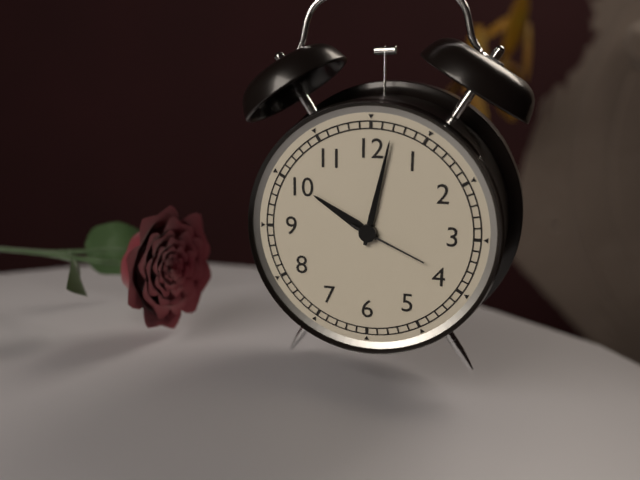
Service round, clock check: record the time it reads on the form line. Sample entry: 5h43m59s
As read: 10h02m19s
